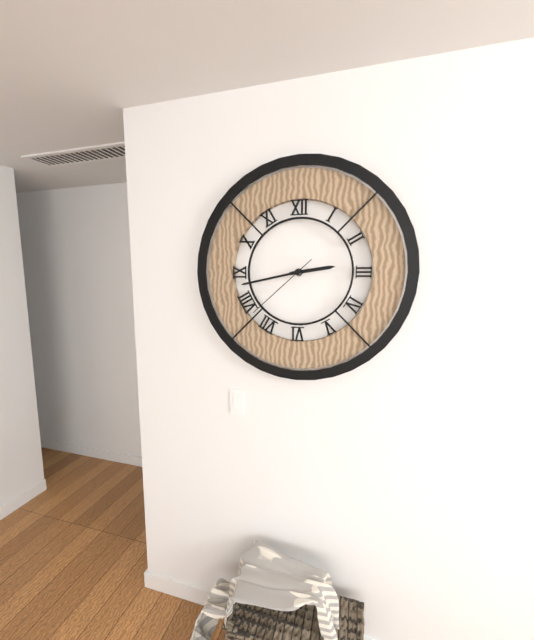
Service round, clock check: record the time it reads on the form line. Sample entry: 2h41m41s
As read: 2h43m38s
